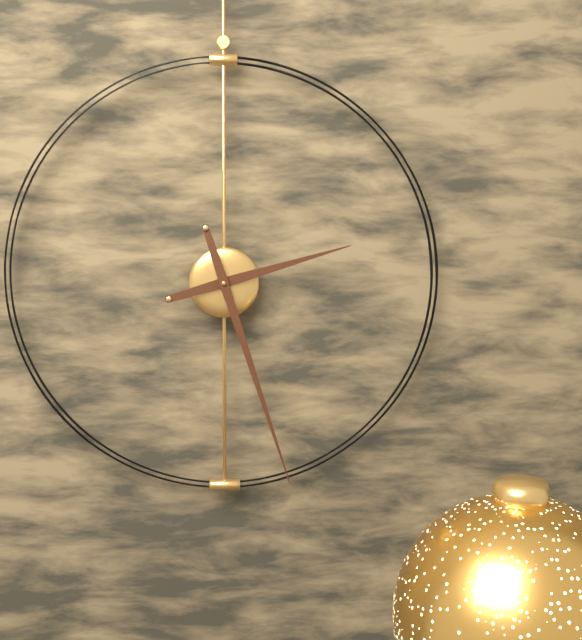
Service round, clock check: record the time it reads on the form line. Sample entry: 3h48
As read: 2h27
